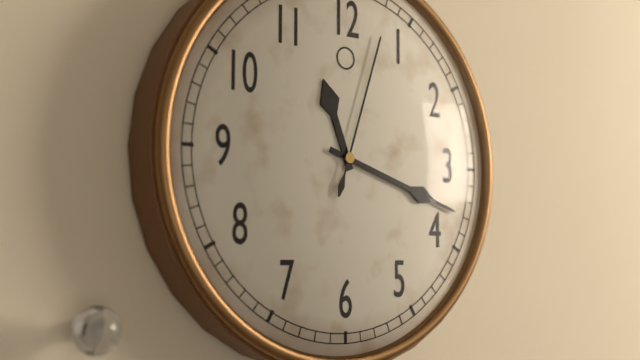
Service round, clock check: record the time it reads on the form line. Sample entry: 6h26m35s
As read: 11h18m03s
